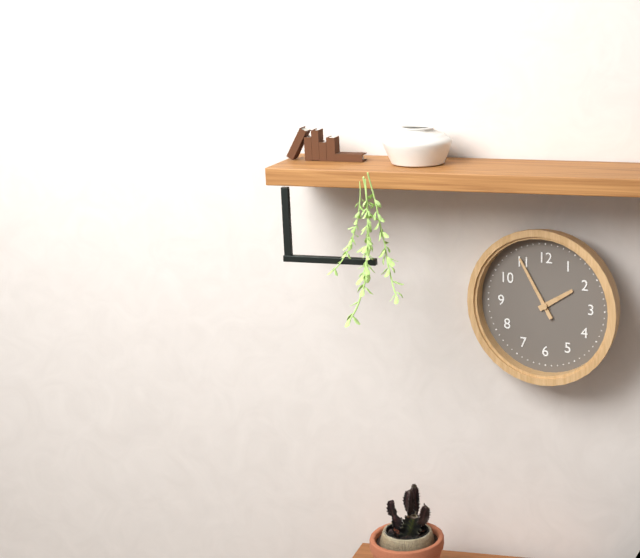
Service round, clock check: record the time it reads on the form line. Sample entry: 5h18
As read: 1h55
